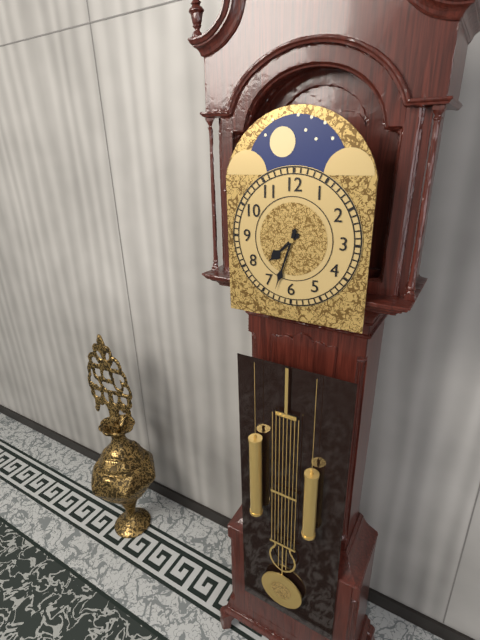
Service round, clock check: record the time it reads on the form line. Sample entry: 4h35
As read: 7h33
